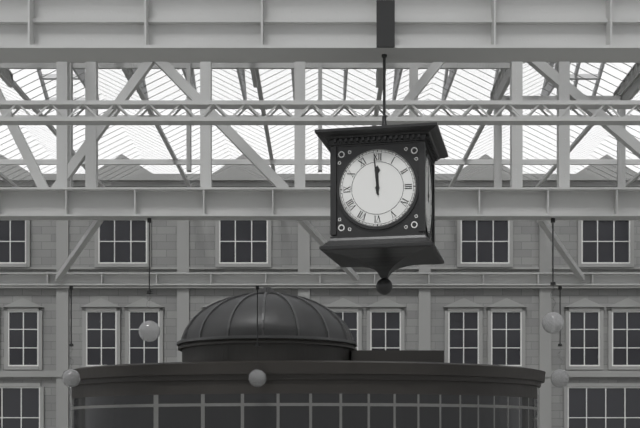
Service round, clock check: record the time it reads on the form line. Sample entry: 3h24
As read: 11h59
